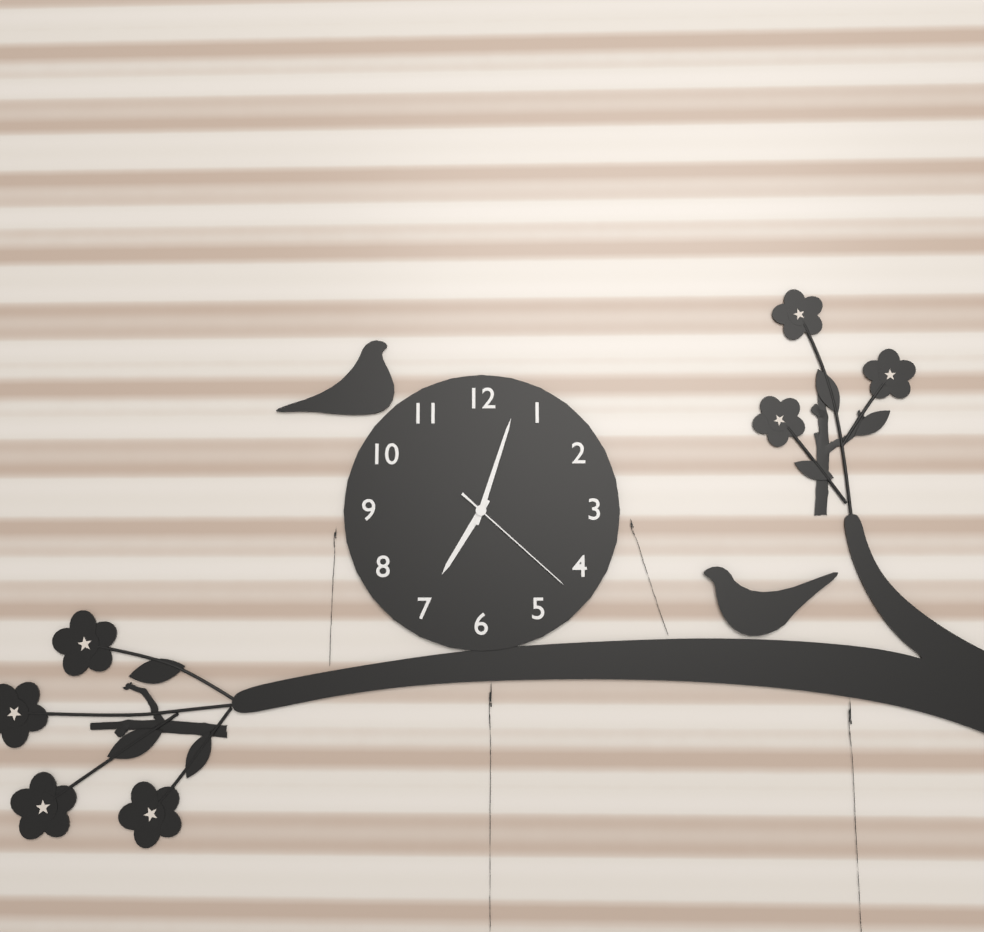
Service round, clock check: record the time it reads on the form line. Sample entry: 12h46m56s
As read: 7h03m22s
